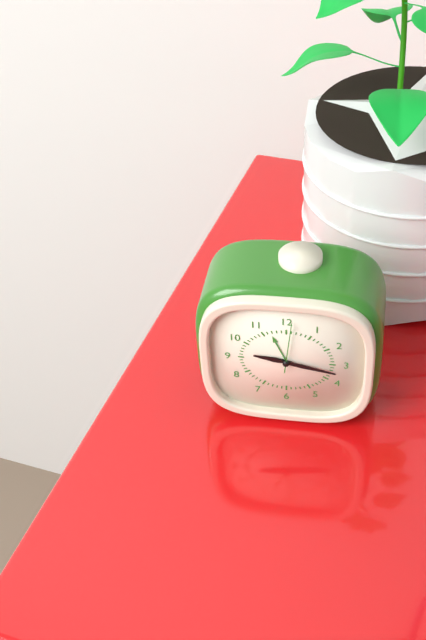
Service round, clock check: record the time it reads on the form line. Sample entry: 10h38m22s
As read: 9h17m01s
